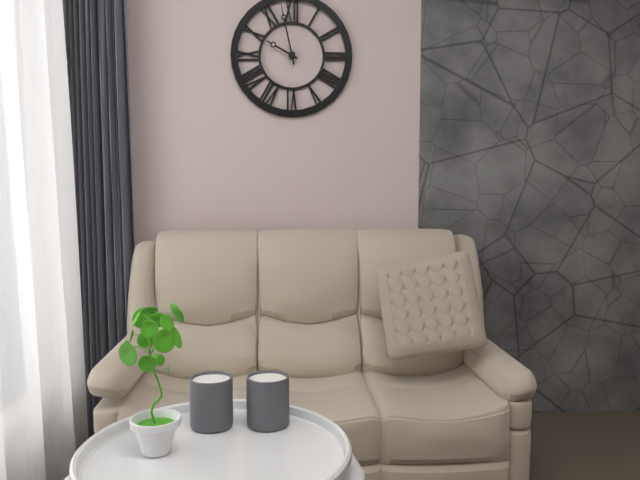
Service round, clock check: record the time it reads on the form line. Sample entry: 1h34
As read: 9h58
